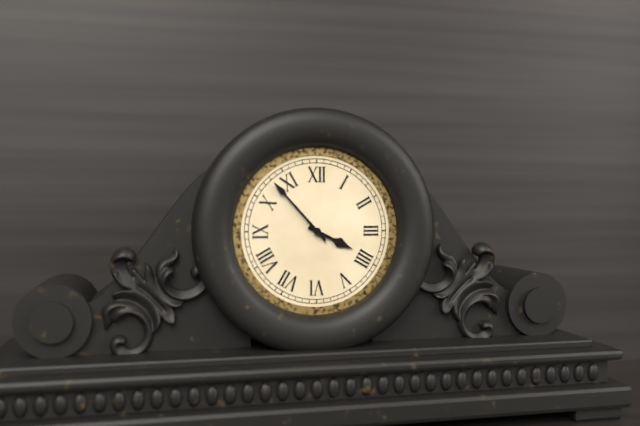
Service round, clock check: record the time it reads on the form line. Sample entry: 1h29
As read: 3h53
